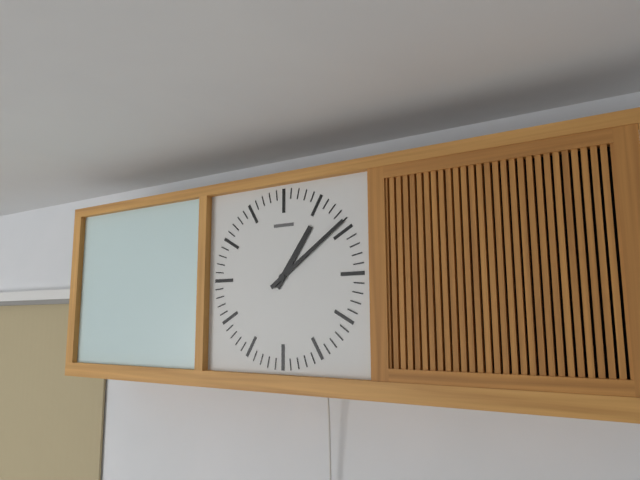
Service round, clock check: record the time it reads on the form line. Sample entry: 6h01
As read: 1h09
